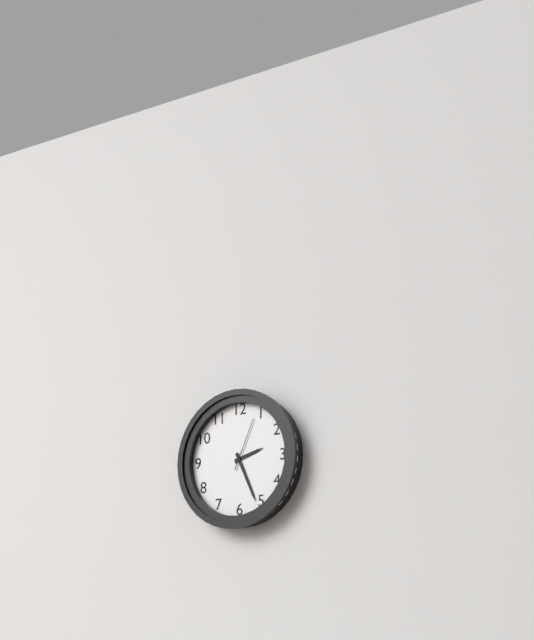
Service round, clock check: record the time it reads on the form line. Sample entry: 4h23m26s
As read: 2h26m04s
